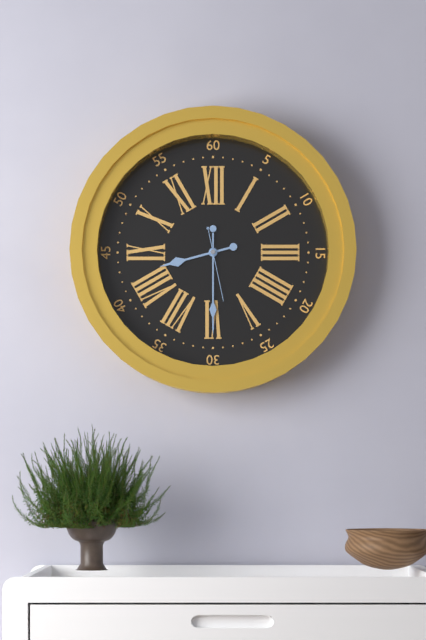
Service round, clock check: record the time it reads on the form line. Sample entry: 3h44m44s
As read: 8h30m28s
